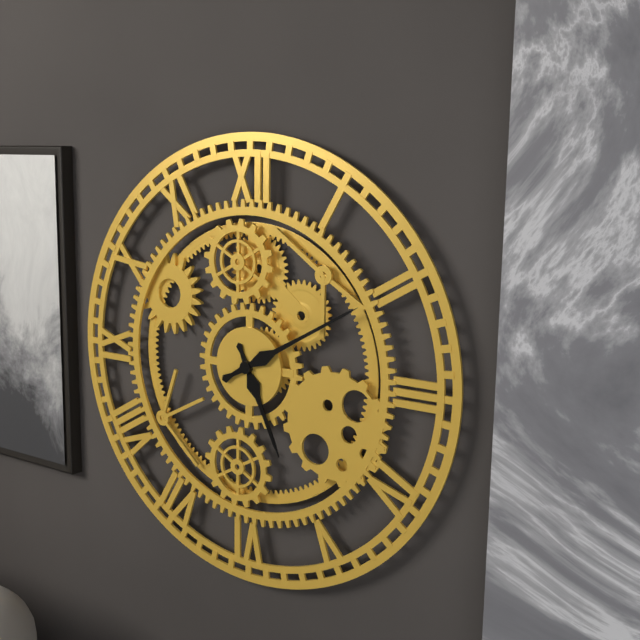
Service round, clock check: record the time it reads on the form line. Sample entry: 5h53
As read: 5h10
